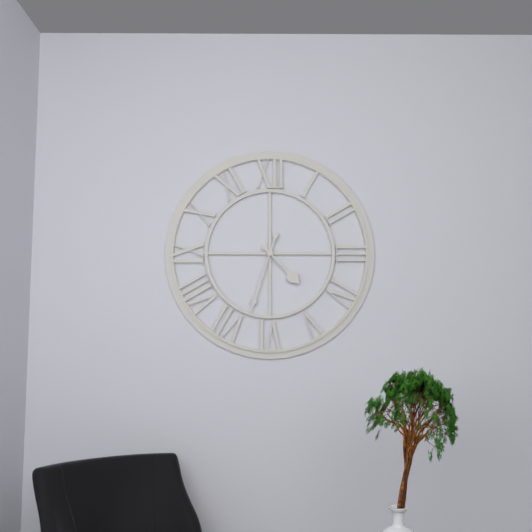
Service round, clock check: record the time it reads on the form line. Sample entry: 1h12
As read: 4h33
